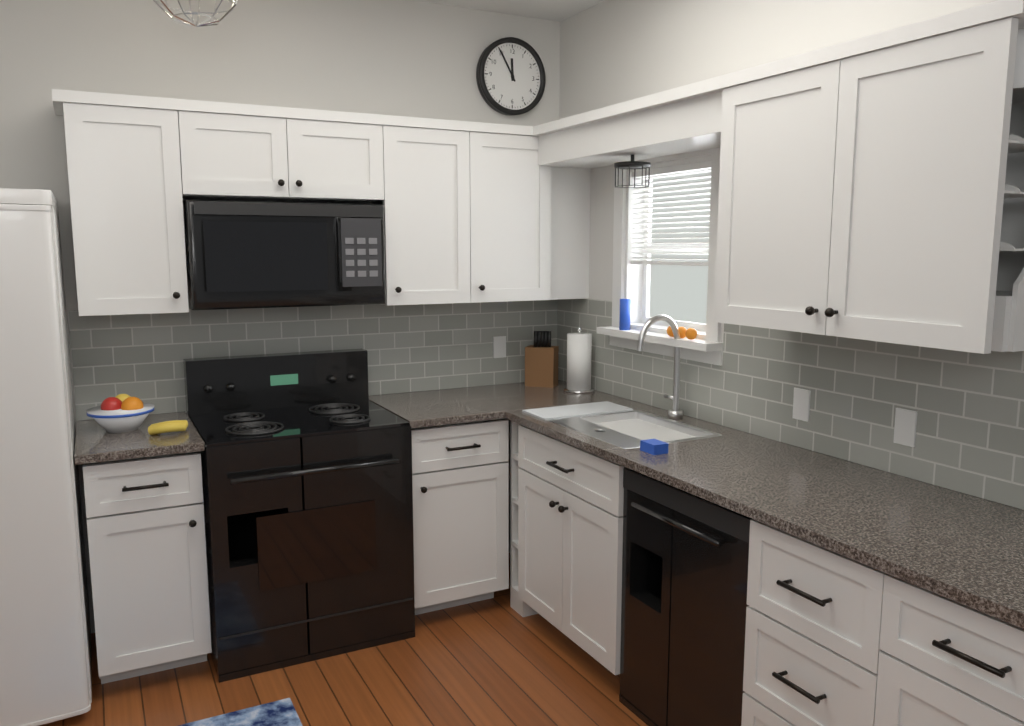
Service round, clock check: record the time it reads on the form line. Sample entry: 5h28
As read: 11h55
